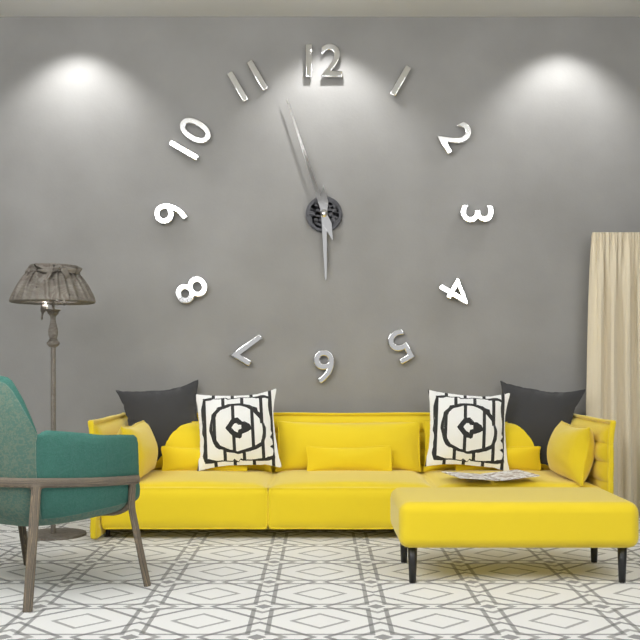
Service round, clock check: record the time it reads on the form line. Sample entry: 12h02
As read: 5h57
